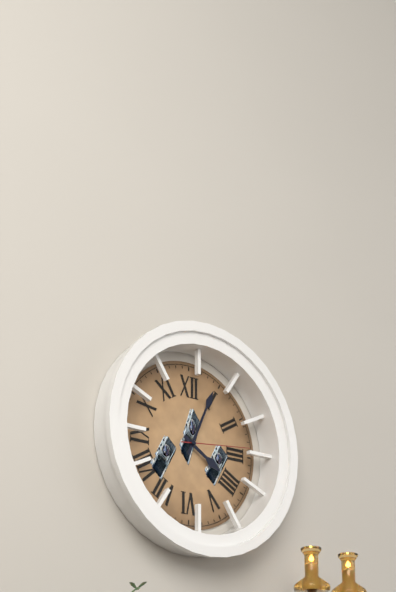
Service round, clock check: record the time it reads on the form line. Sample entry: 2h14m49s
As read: 4h04m14s
